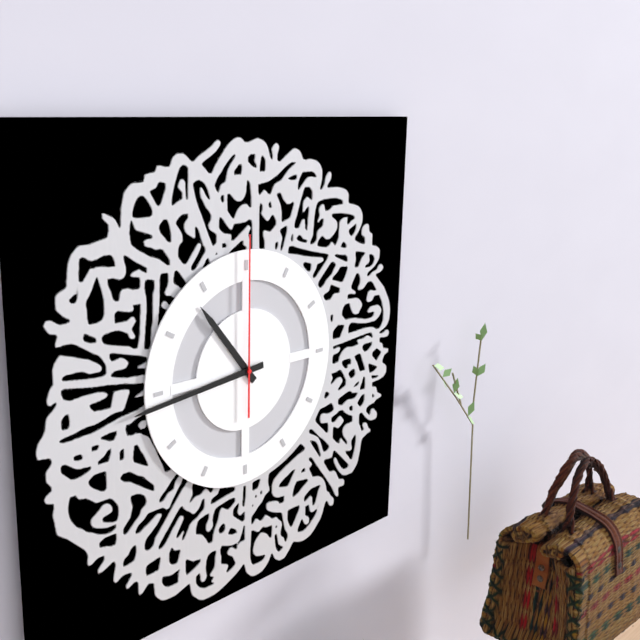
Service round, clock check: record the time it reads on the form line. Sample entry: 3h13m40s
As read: 10h44m00s
